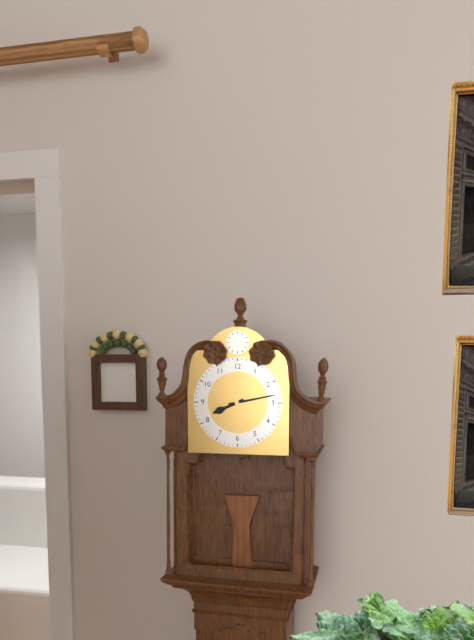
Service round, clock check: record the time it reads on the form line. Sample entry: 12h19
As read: 8h13
